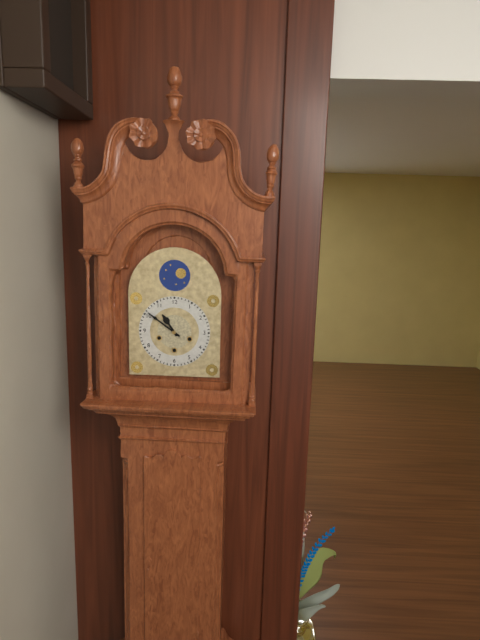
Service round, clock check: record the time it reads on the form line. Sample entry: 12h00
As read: 10h51
